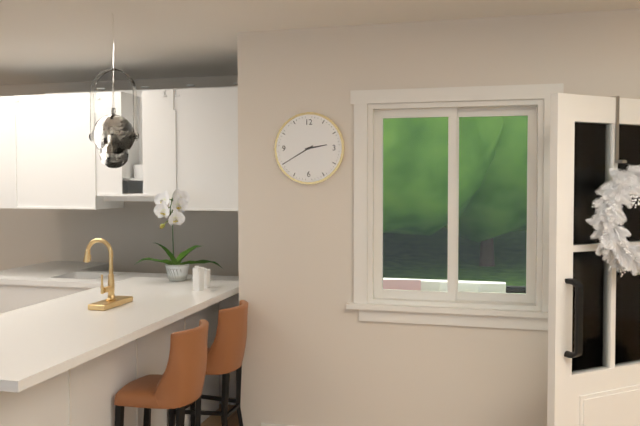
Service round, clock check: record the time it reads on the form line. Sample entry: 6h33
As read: 2h40
